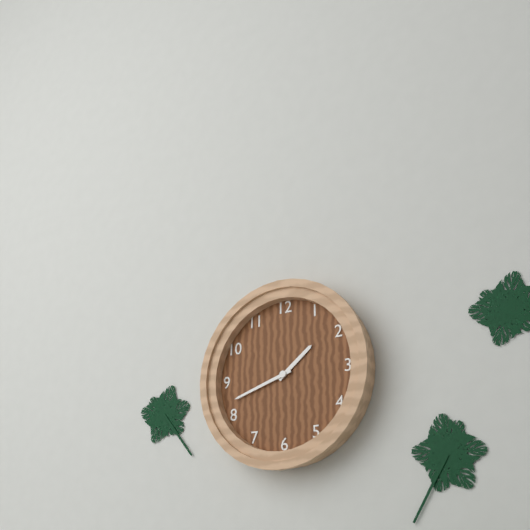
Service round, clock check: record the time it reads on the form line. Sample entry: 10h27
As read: 1h42
